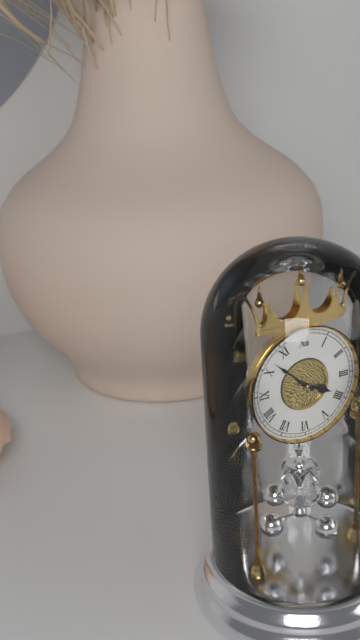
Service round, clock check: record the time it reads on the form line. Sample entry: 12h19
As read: 3h52
